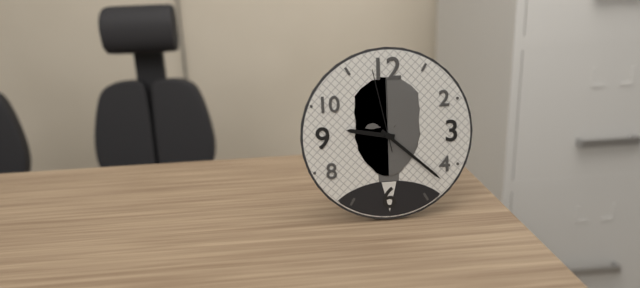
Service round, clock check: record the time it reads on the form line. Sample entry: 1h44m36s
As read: 9h22m58s
